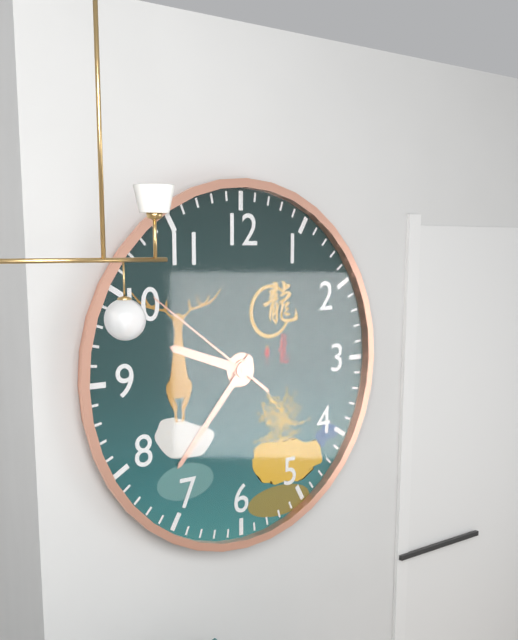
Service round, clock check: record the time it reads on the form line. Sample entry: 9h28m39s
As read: 9h37m51s
